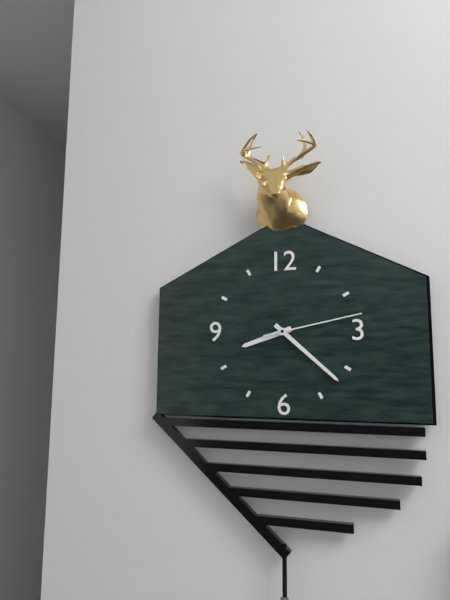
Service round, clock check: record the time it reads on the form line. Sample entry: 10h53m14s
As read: 8h22m13s
